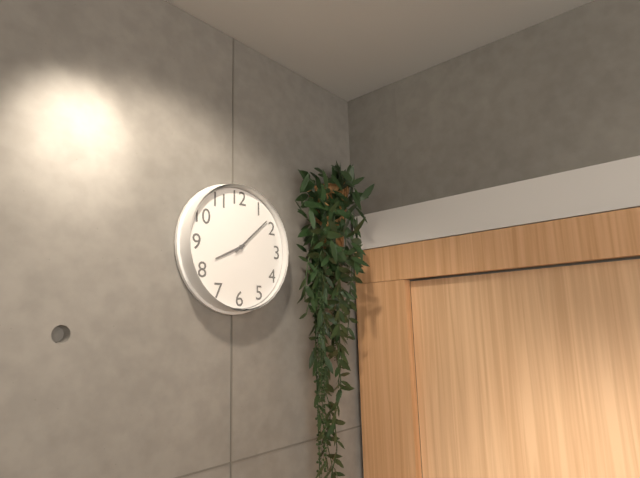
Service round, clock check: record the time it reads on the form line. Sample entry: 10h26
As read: 8h08
